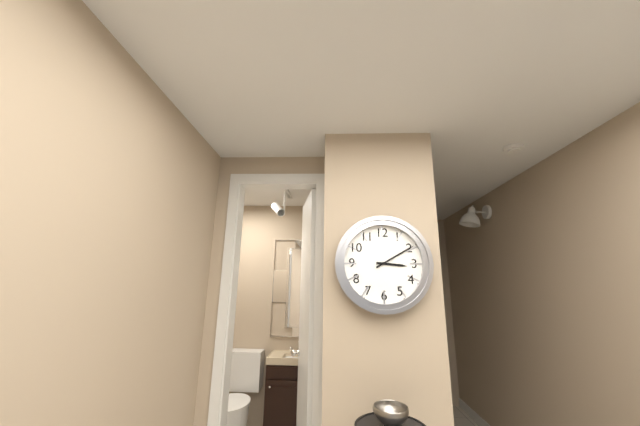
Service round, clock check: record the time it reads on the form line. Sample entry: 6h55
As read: 3h10
